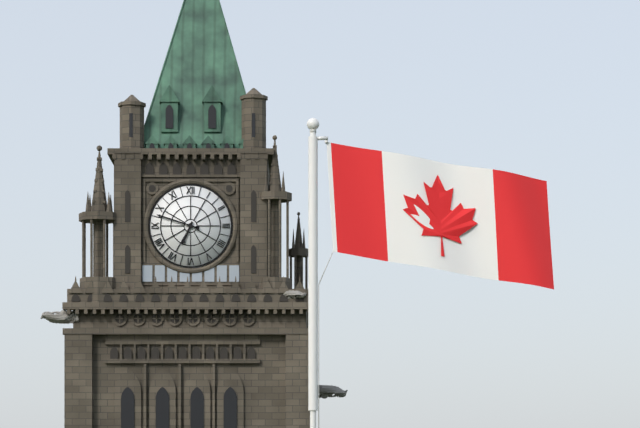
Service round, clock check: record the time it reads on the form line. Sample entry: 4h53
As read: 6h48
